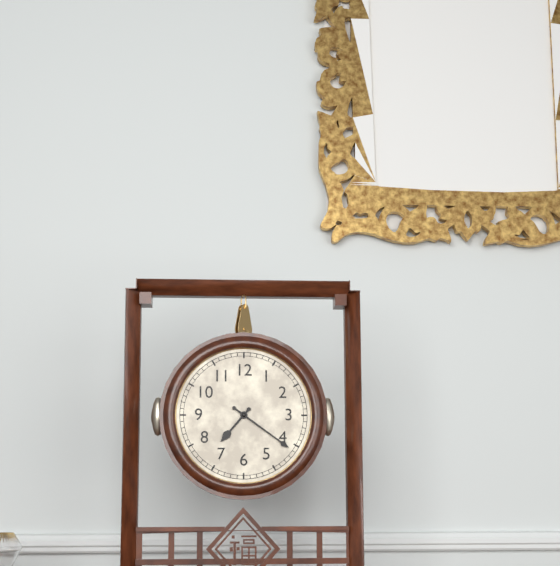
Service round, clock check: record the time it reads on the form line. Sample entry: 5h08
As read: 7h21
